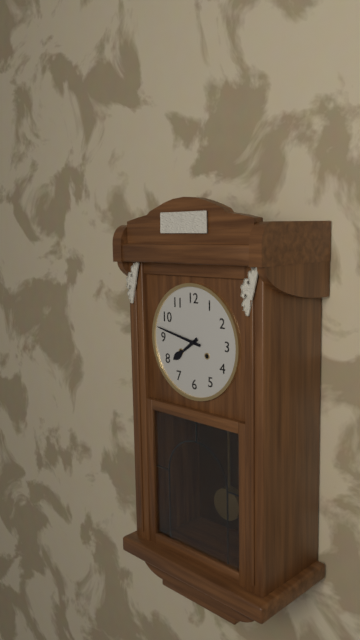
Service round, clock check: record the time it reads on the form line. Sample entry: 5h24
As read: 7h47
